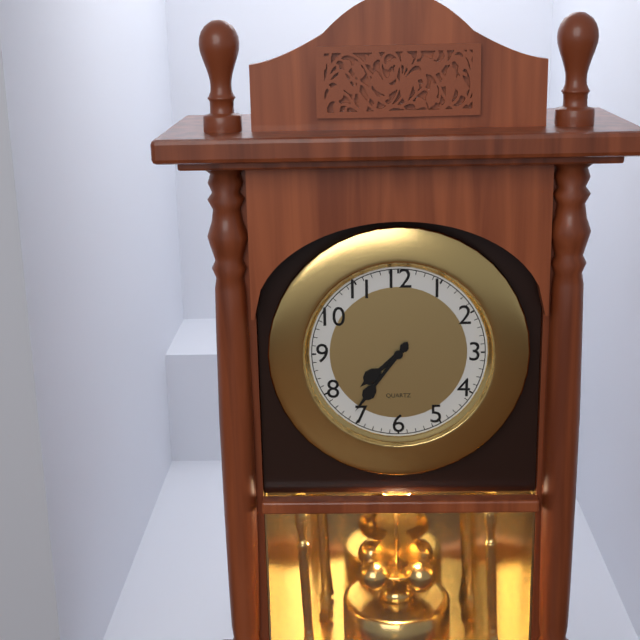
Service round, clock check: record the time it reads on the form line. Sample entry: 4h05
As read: 7h36
